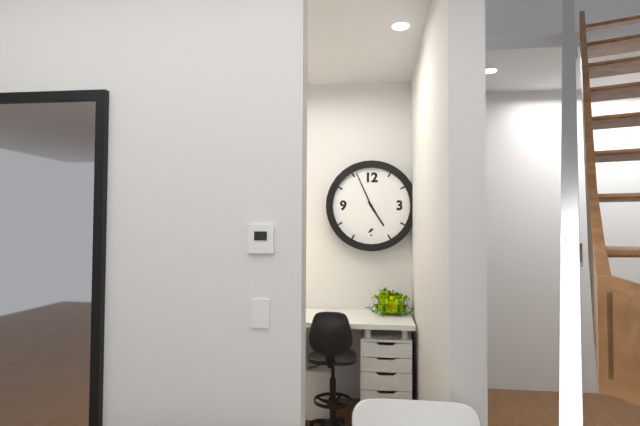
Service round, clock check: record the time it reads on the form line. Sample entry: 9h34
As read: 4h56
